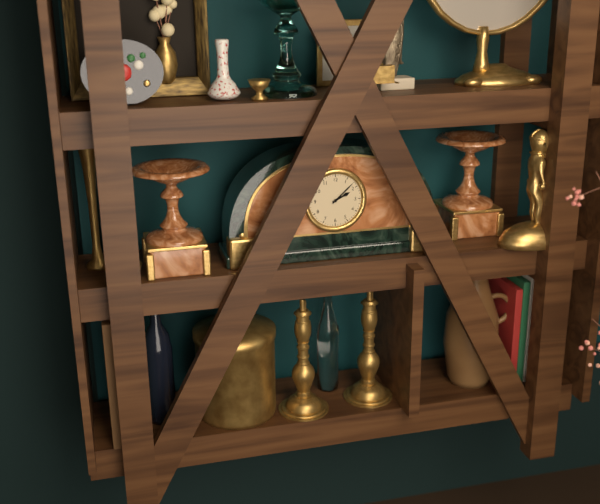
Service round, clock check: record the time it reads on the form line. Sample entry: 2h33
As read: 2h08
